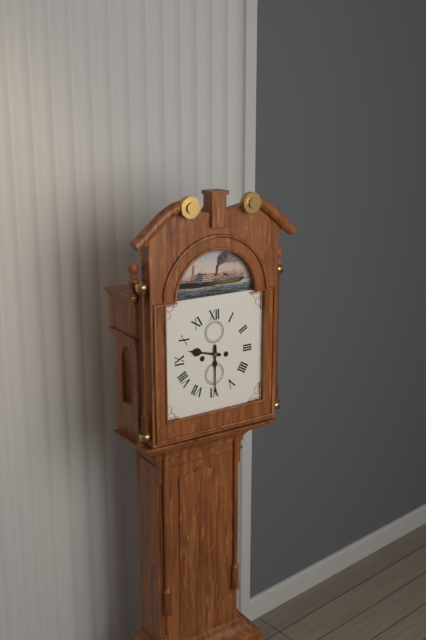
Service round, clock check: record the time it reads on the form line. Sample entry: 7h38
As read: 9h30
